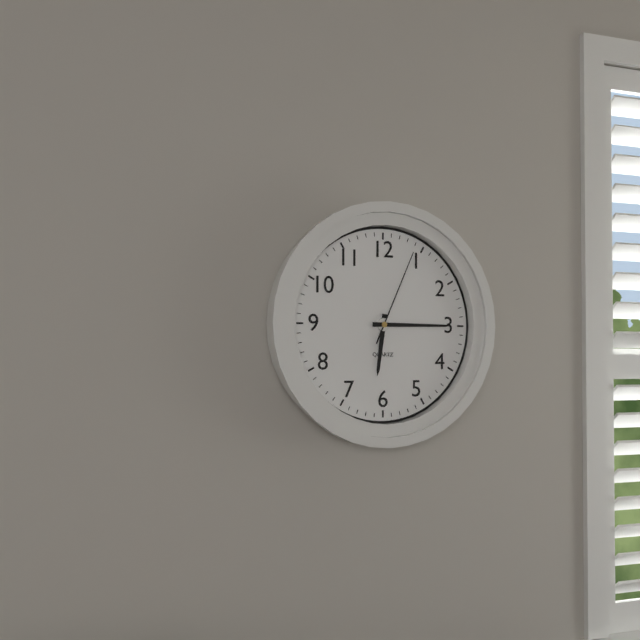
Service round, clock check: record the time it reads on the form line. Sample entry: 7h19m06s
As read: 6h15m04s
